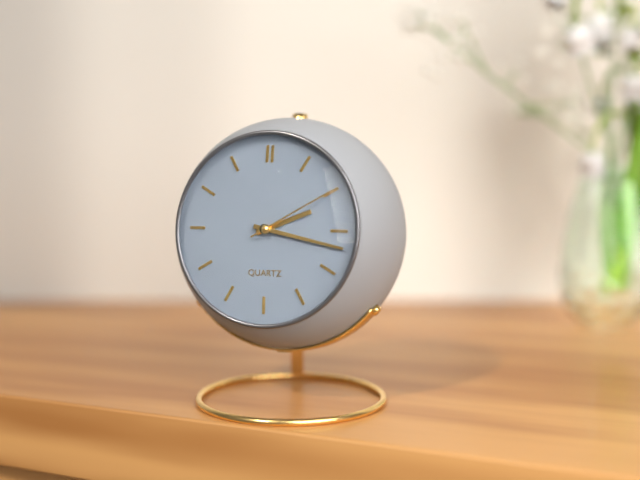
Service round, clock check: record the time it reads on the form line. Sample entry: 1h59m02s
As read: 2h17m10s
